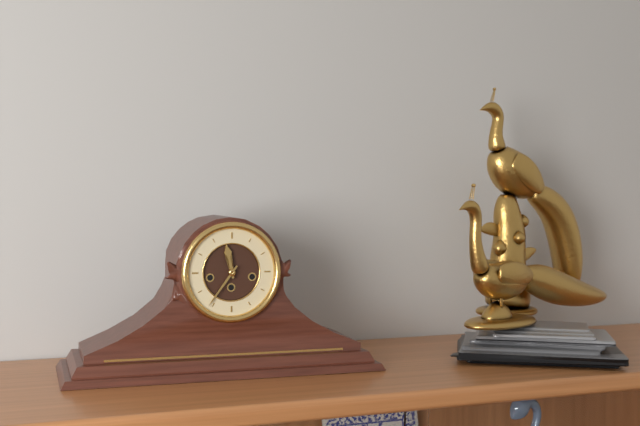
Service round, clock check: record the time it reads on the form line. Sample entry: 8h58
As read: 11h36
